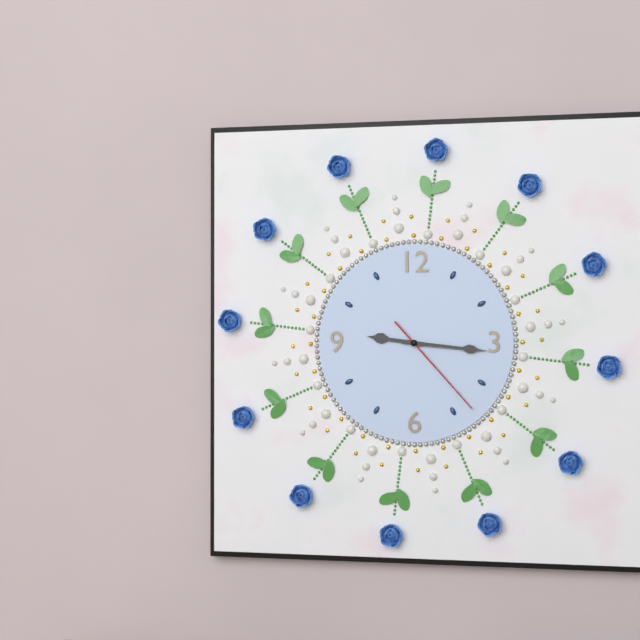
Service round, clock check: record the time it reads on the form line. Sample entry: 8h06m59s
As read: 9h16m23s
